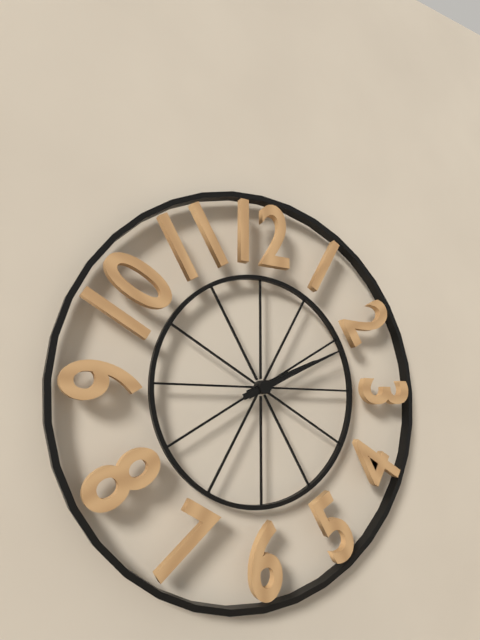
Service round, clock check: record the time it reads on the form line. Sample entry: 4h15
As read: 2h11
